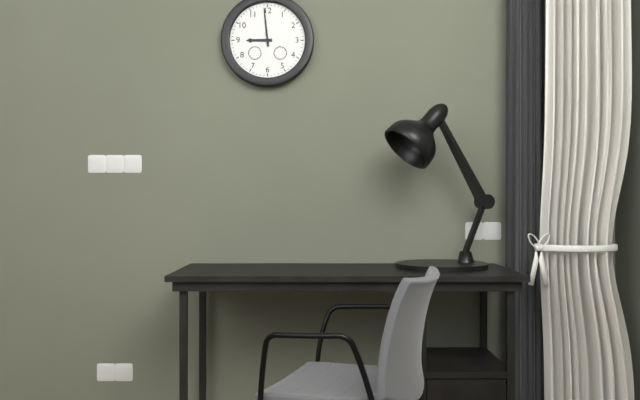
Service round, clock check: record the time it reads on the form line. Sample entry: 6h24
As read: 8h59
